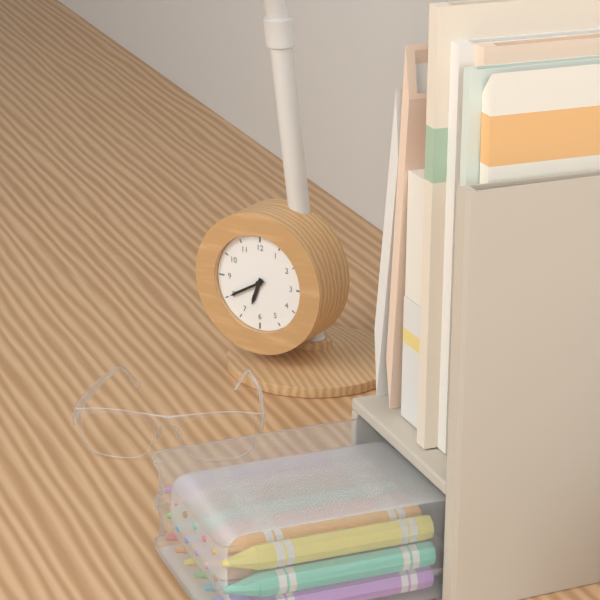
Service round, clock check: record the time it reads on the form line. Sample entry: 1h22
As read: 6h40
